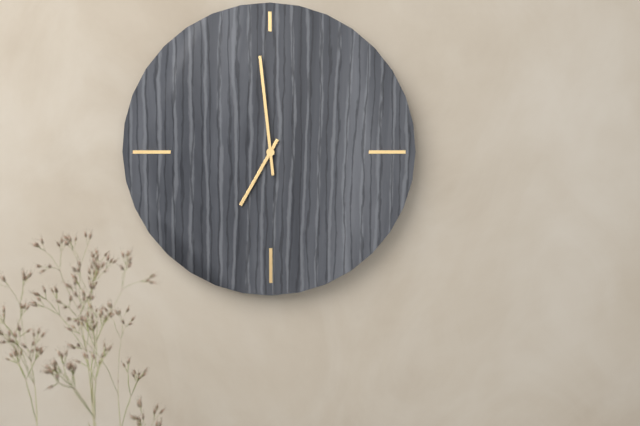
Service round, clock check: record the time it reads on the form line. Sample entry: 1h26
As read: 6h59
